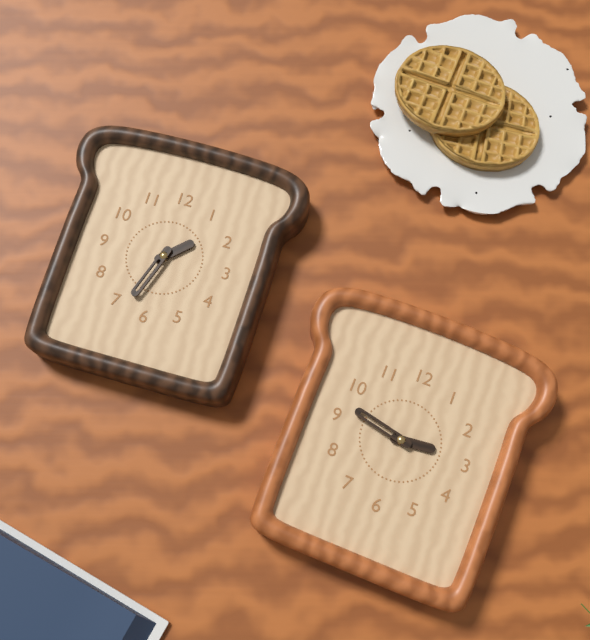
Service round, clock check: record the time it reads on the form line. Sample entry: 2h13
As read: 2h47
